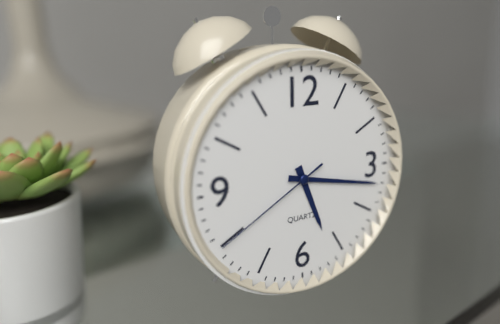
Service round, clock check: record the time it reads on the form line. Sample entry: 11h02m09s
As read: 5h17m40s
